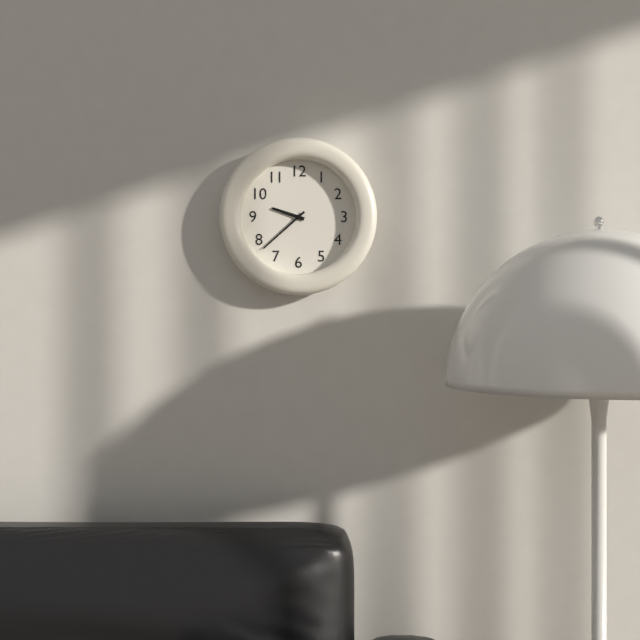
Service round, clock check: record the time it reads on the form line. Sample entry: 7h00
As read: 9h38
